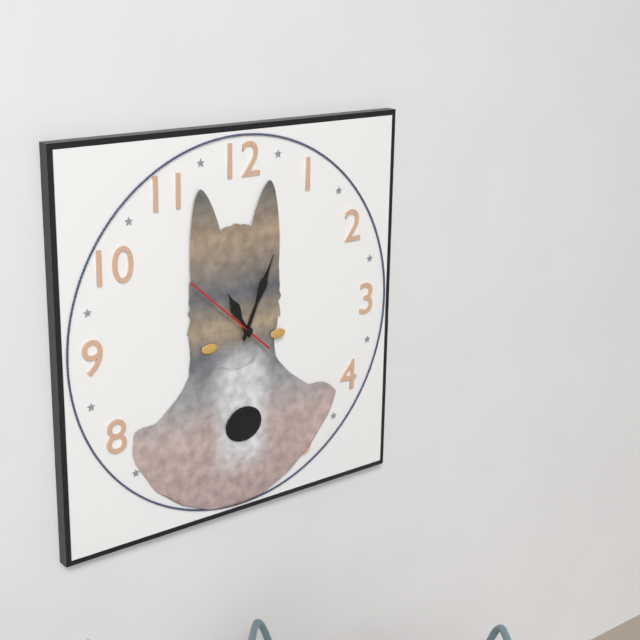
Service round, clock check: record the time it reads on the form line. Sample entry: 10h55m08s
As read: 11h04m52s
